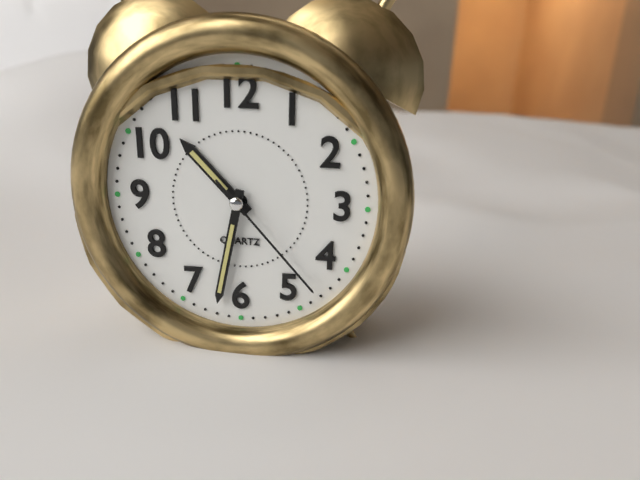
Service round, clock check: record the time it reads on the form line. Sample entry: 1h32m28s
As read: 10h32m23s
